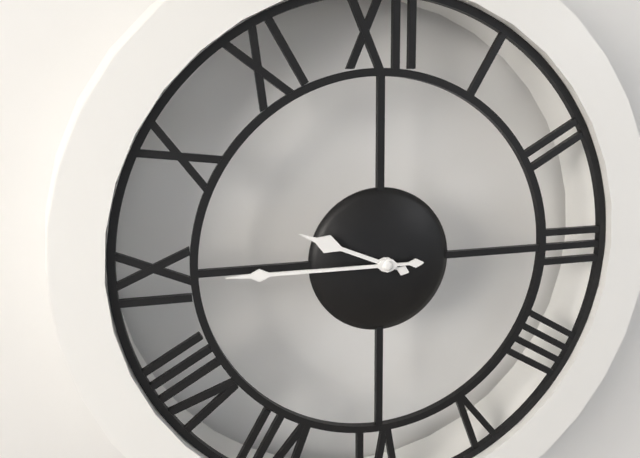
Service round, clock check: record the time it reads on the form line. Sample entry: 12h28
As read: 9h45
